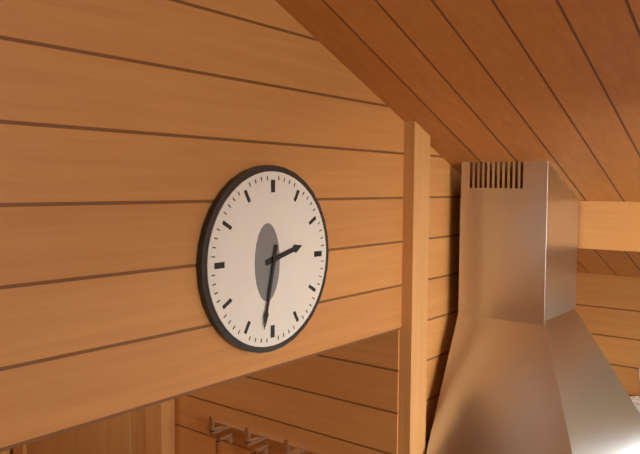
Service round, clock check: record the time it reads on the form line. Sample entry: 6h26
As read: 2h32
